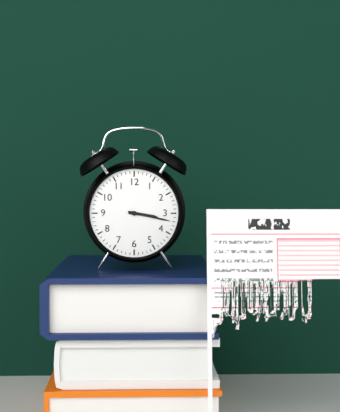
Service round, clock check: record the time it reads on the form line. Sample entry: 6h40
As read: 3h17
